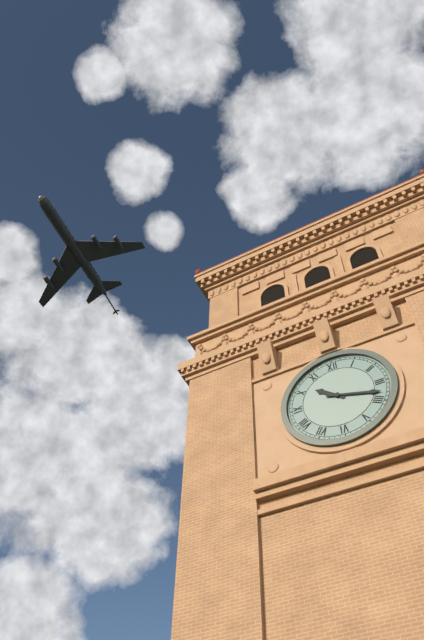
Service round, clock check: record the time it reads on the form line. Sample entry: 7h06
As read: 10h18
